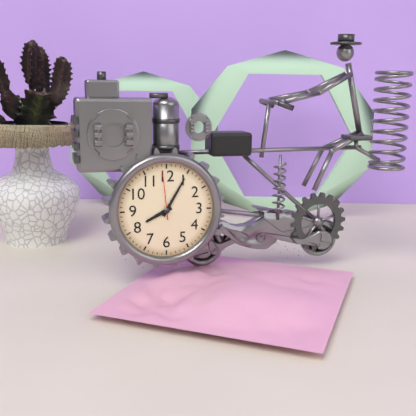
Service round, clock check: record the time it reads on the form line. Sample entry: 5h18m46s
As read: 8h05m59s
